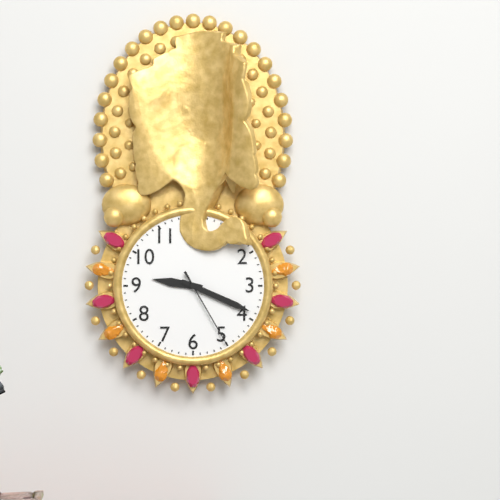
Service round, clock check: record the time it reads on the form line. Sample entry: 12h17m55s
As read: 9h19m25s
